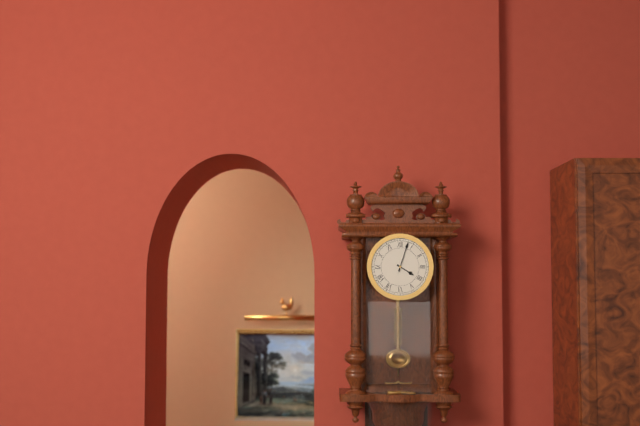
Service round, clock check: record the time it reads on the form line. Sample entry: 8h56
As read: 4h03
